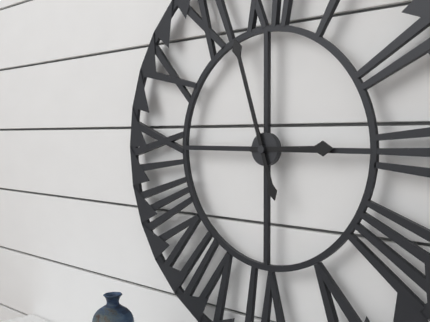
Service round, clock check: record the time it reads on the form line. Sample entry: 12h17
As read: 2h57
